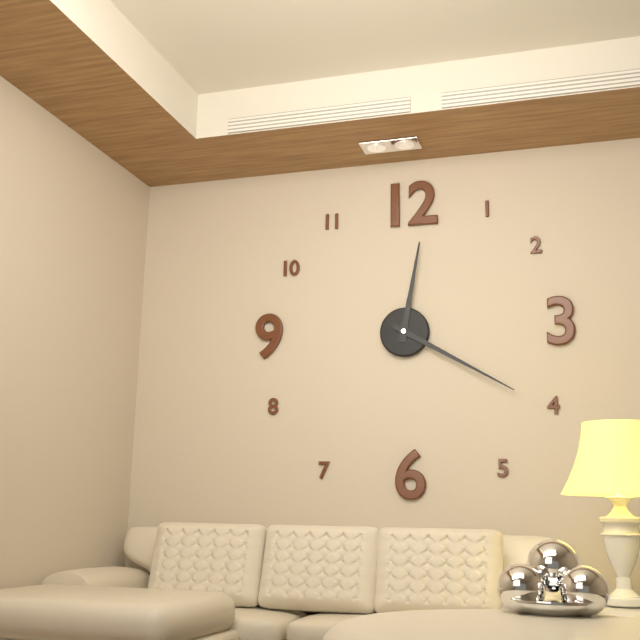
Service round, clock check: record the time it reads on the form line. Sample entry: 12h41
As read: 12h20
